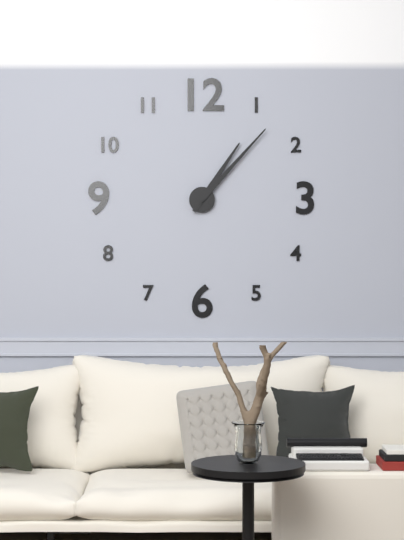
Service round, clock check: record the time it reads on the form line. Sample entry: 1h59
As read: 1h07
